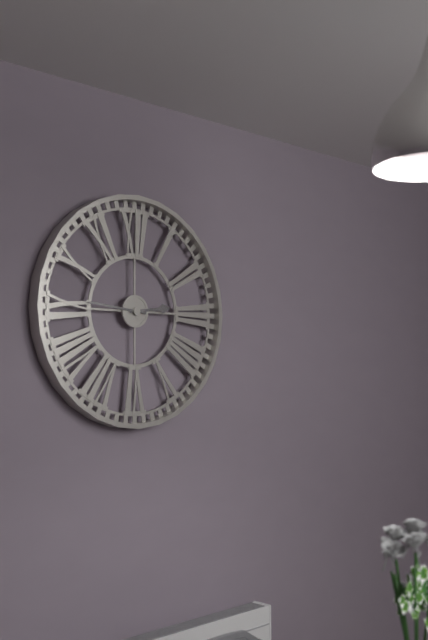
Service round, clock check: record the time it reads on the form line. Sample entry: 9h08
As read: 2h46
